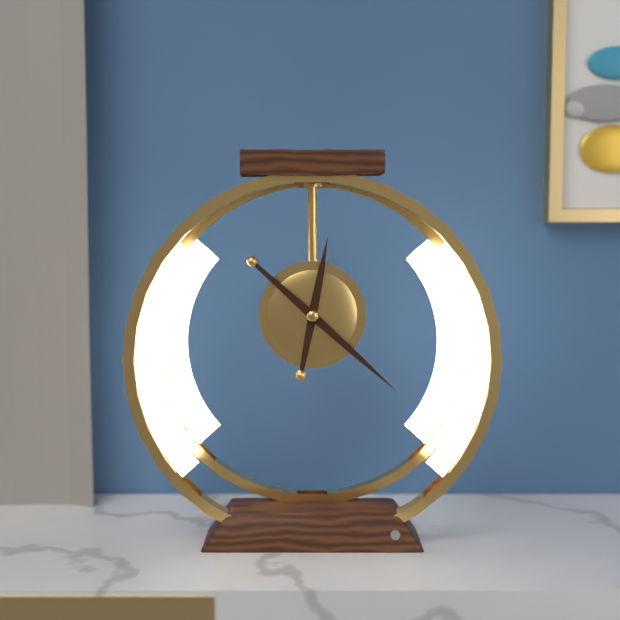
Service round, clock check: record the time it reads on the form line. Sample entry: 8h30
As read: 12h22
